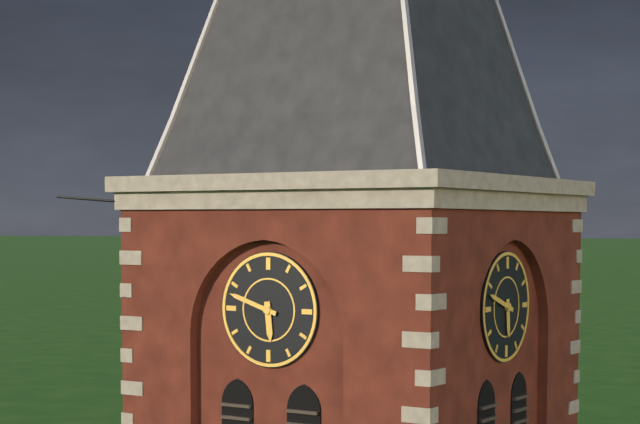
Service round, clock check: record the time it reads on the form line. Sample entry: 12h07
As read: 5h48
